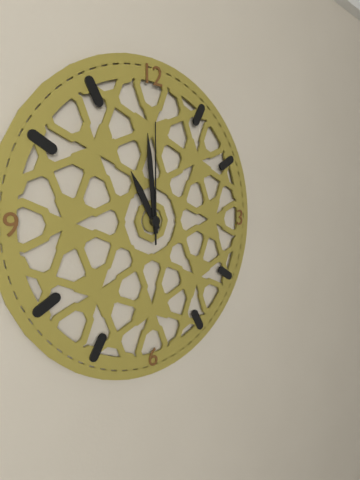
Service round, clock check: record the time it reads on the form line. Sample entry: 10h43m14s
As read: 10h59m00s
